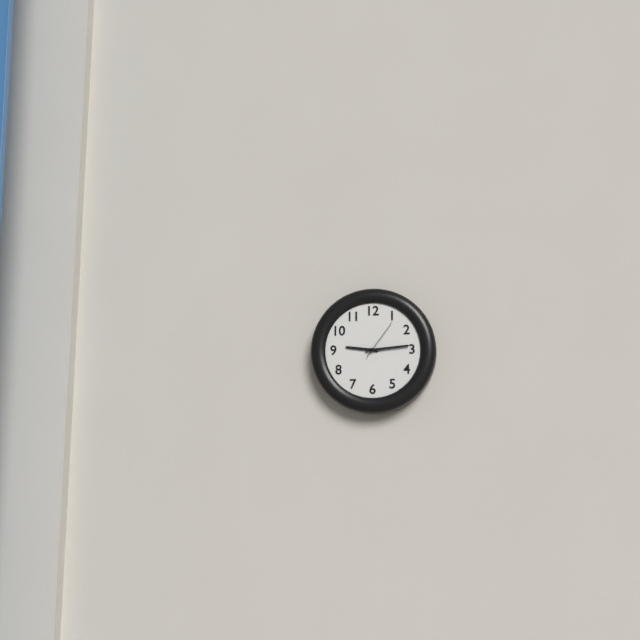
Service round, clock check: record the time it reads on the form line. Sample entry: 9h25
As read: 9h14
